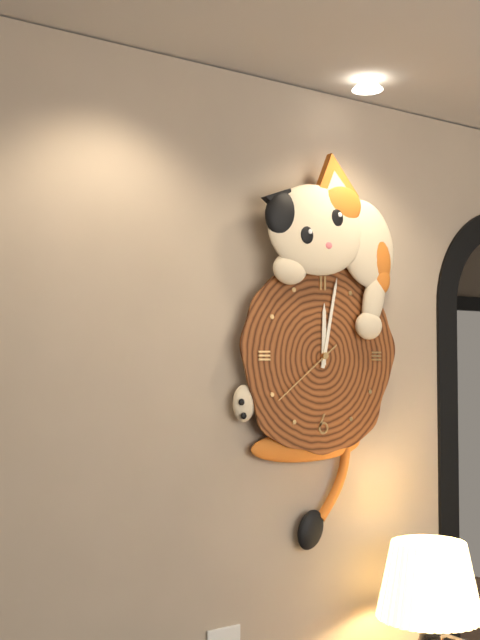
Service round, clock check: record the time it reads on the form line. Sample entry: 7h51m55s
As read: 12h02m39s
